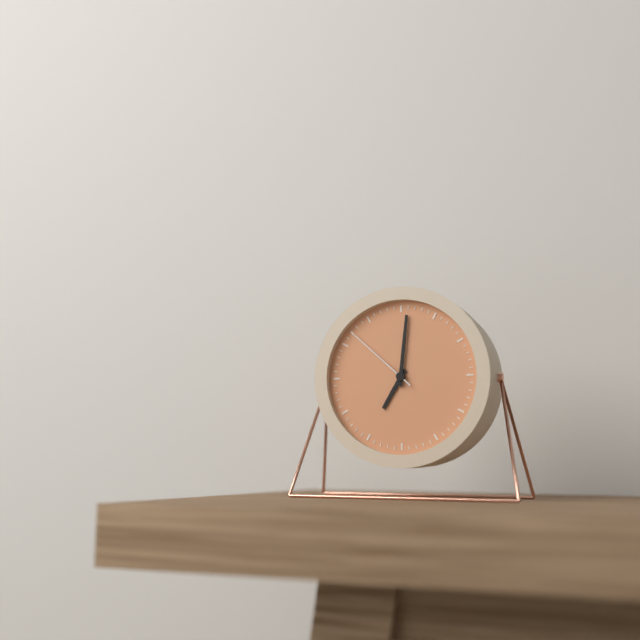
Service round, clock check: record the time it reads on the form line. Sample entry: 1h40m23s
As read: 7h01m52s
